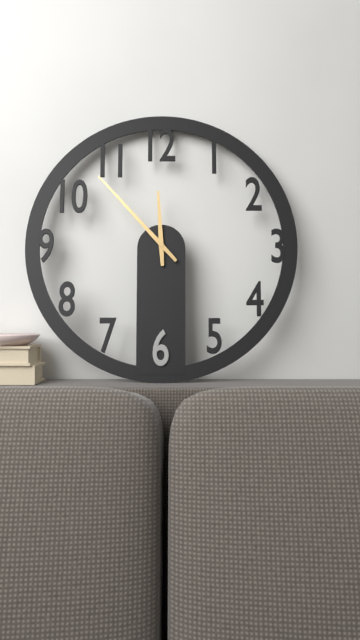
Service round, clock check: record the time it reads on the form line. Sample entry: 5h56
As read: 11h53
